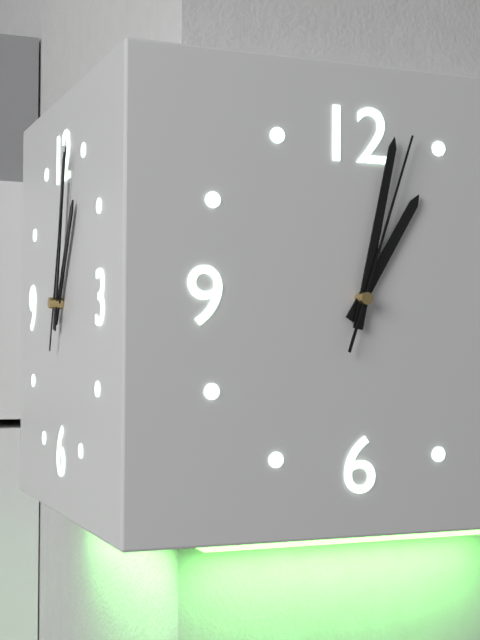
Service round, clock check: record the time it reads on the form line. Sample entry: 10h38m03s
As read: 1h02m03s
